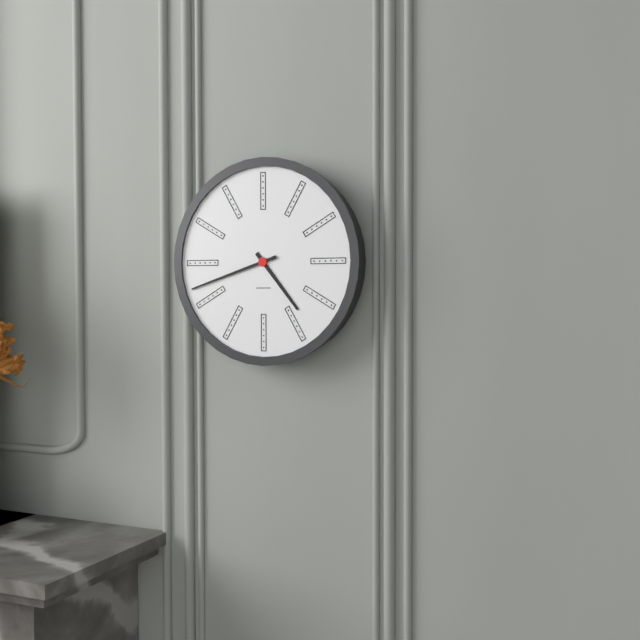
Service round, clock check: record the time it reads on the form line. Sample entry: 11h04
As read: 4h42
